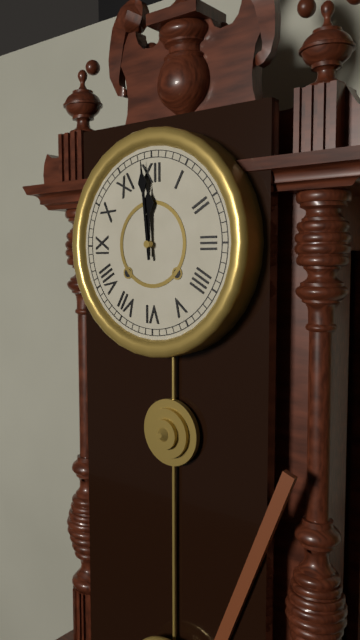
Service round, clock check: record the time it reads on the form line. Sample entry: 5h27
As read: 11h59
